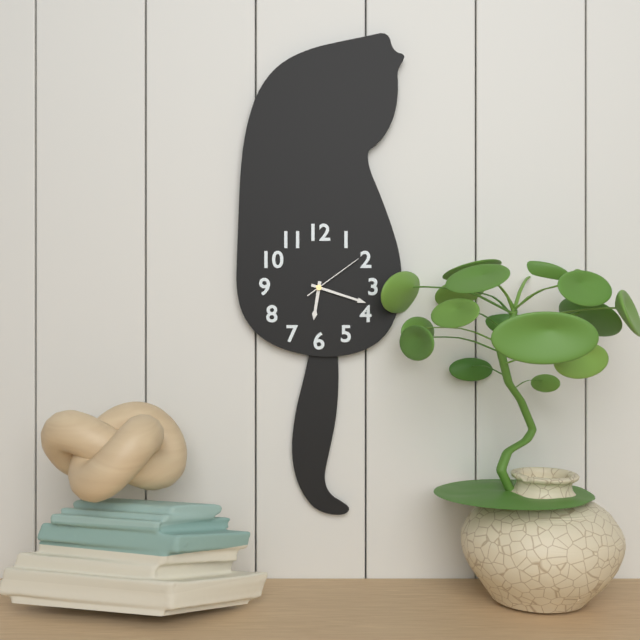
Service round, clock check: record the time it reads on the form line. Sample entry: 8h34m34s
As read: 6h18m09s
